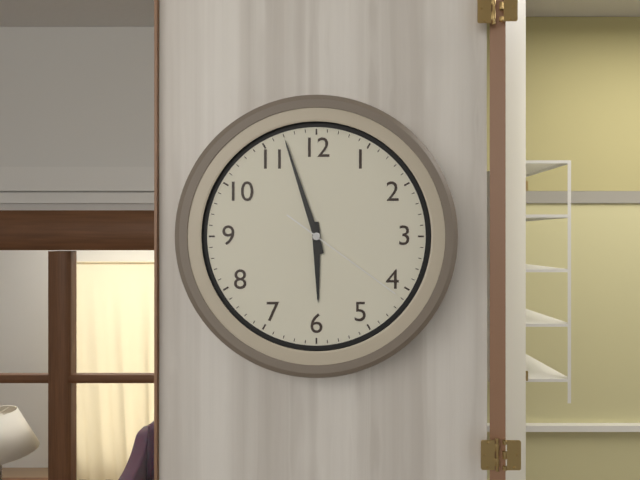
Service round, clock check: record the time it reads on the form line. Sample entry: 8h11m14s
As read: 5h57m21s
